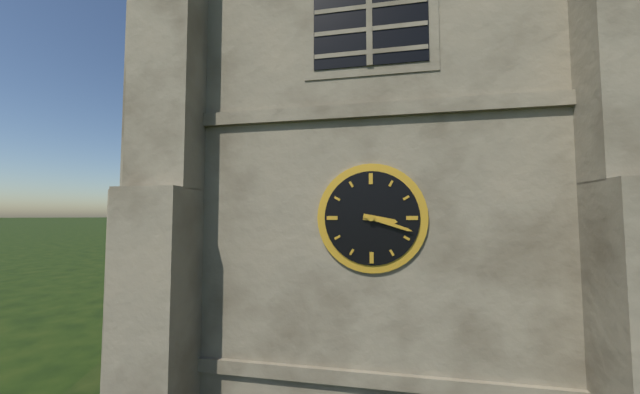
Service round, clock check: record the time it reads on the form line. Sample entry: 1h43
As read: 3h18
